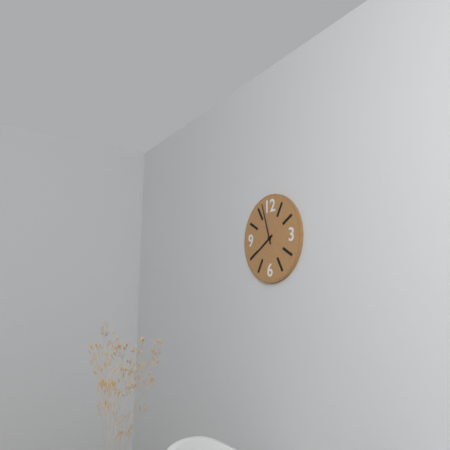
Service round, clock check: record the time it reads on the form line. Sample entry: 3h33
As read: 7h57
